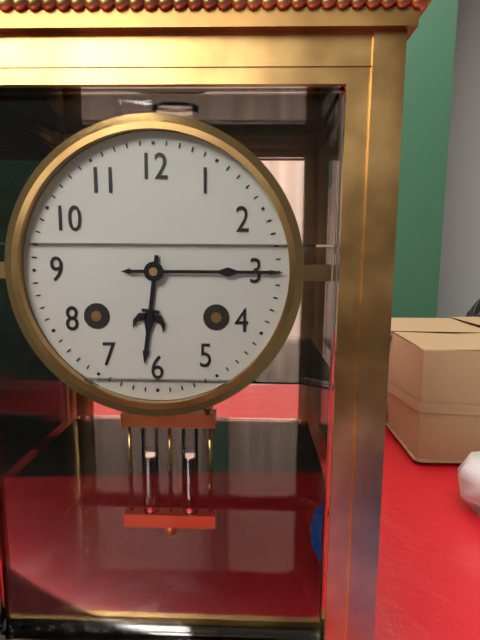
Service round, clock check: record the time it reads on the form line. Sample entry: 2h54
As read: 6h15
